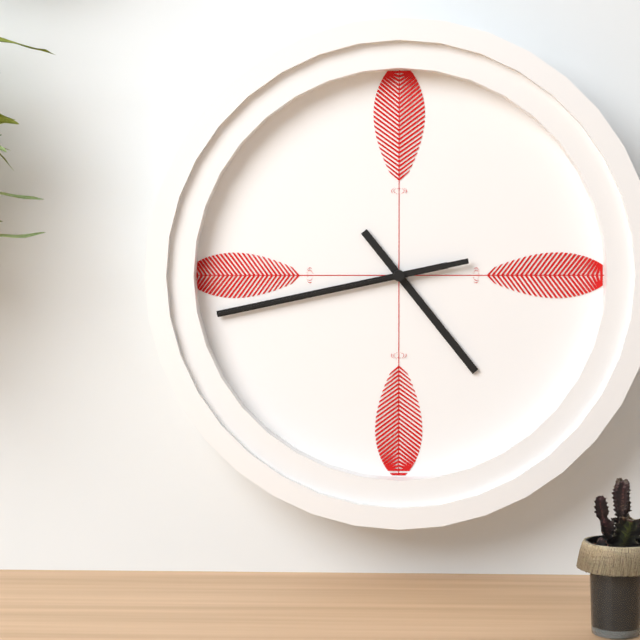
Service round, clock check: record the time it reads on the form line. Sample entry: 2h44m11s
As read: 4h43m43s
